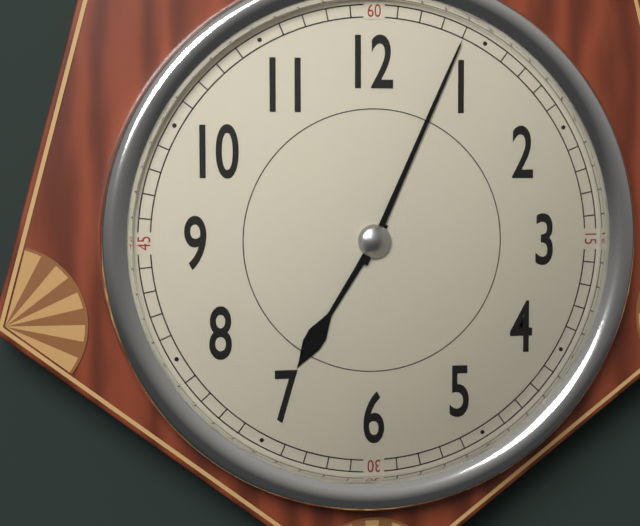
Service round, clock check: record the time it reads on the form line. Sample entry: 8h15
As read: 7h04
